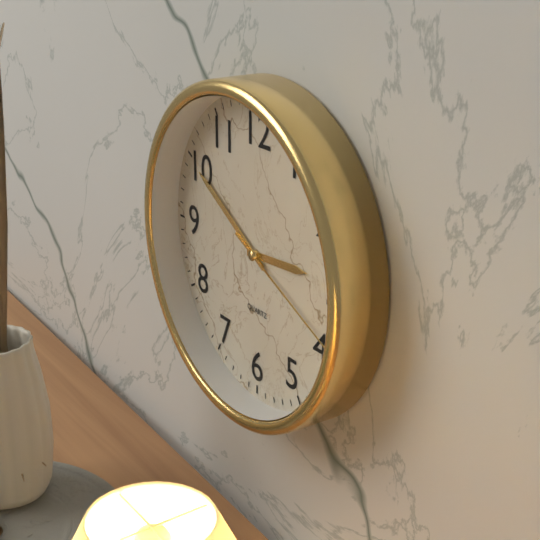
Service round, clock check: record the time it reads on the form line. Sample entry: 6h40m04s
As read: 2h50m19s
